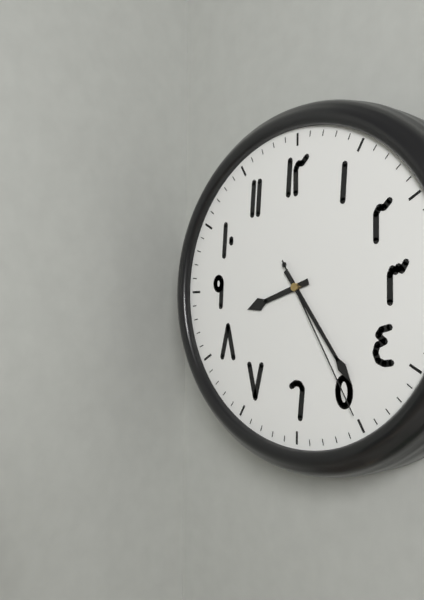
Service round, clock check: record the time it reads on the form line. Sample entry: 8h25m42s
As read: 8h24m25s
